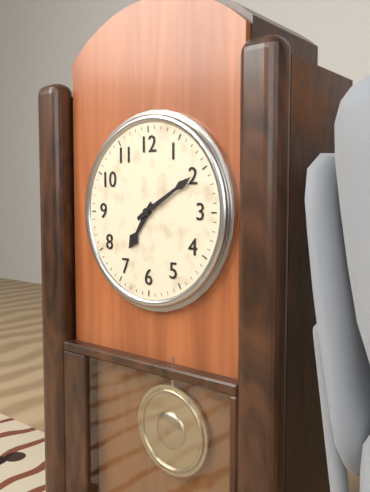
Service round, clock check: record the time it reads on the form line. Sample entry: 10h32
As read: 7h10
